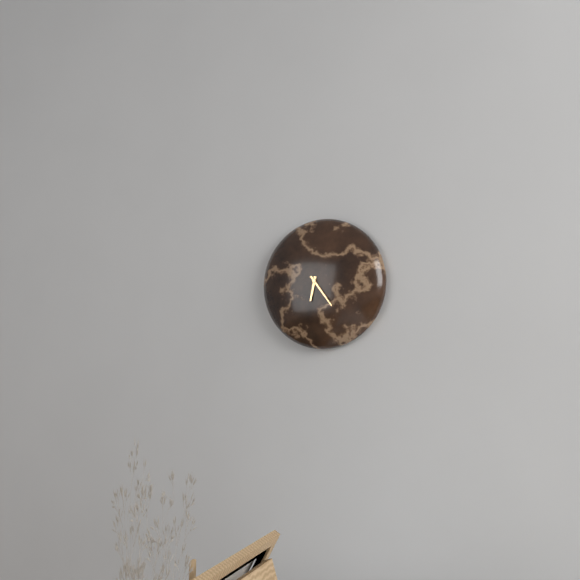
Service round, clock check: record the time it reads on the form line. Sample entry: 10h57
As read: 6h24
